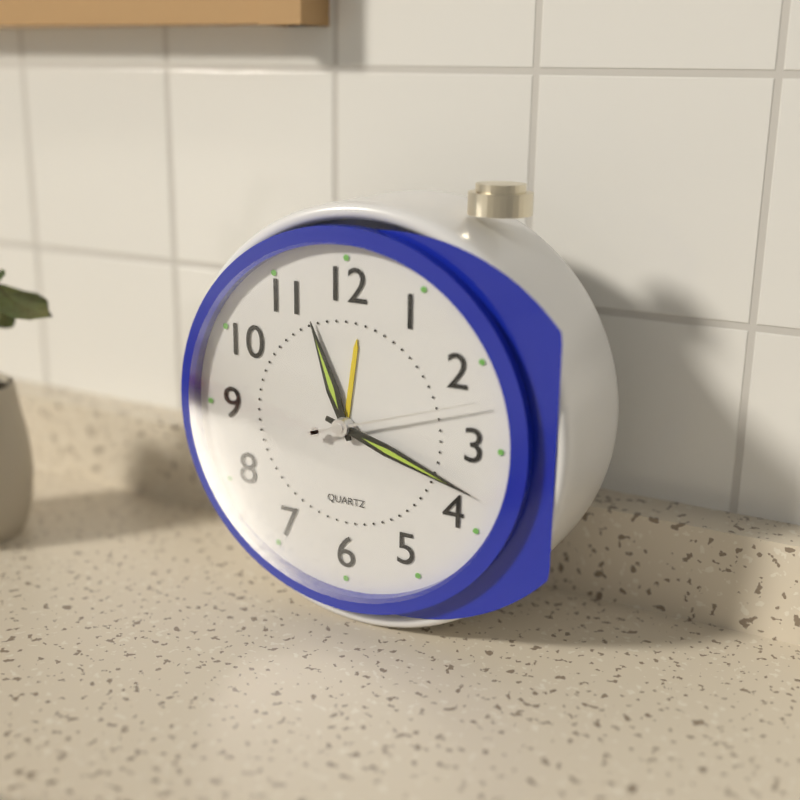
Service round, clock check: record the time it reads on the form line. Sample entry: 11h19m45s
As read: 11h18m12s
